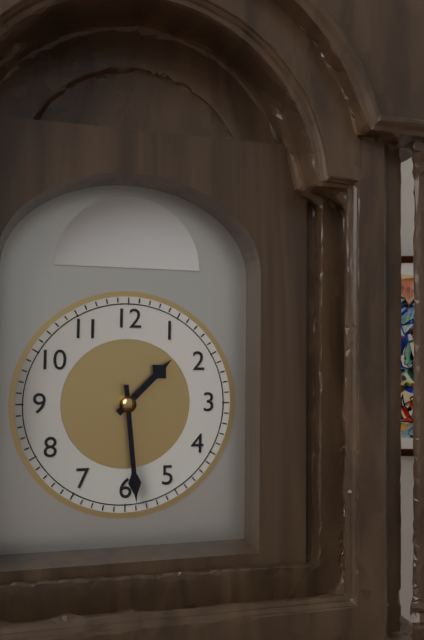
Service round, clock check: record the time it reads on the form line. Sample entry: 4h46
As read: 1h29
